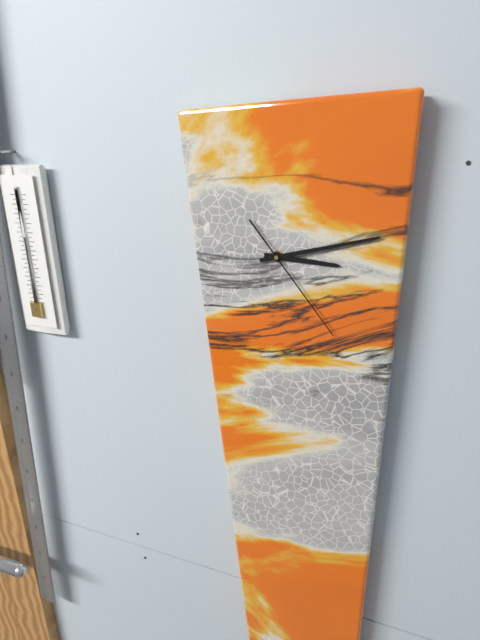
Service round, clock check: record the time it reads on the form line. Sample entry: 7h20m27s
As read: 3h13m24s
